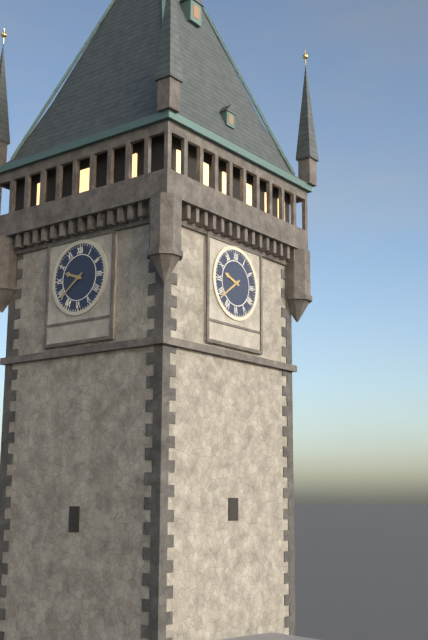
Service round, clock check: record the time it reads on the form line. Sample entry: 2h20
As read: 9h39
